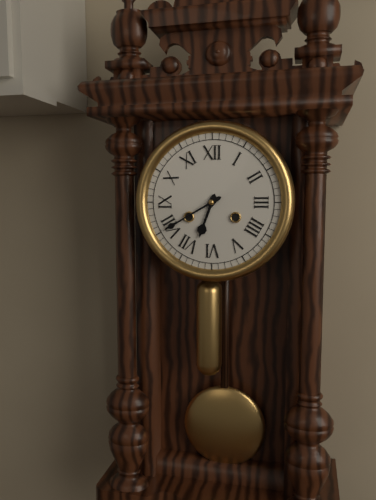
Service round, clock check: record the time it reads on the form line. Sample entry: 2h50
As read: 6h40
